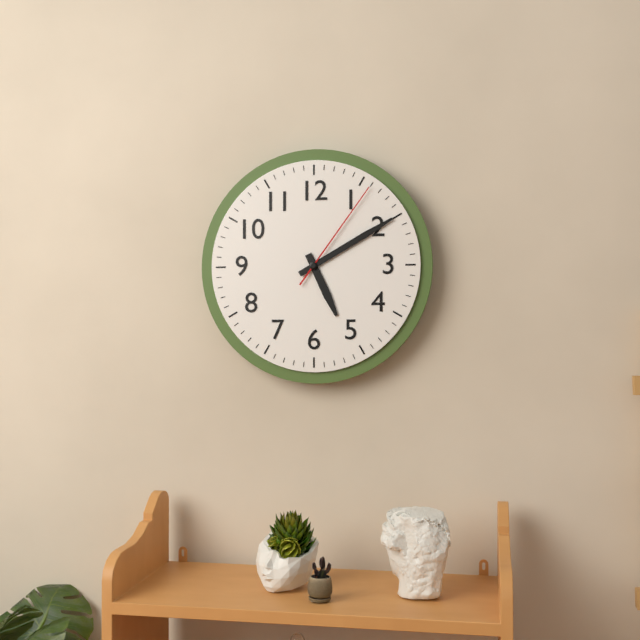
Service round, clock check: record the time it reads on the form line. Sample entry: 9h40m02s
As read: 5h10m06s
